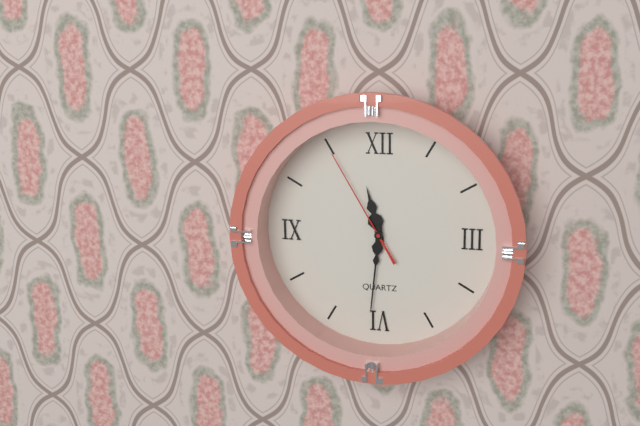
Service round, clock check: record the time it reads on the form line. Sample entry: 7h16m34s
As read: 11h31m55s
